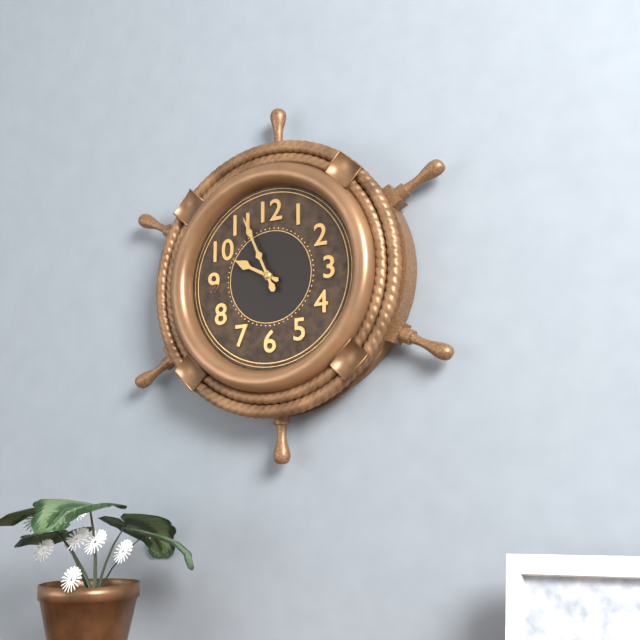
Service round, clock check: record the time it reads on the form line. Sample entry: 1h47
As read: 9h56
